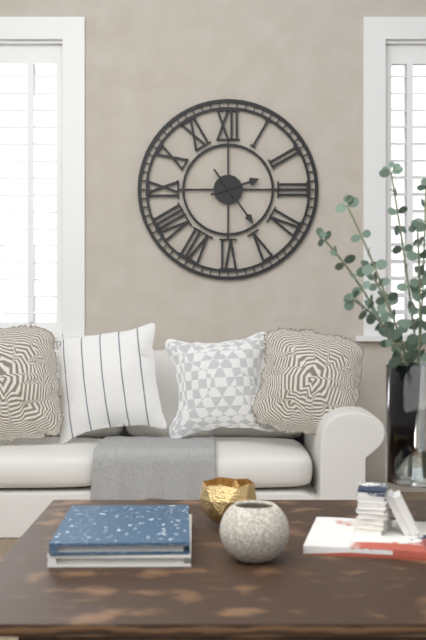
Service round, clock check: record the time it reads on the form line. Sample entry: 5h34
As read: 2h24
